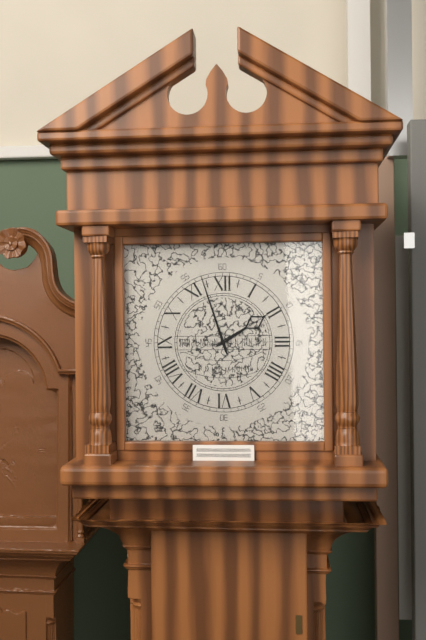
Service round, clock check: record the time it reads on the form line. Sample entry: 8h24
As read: 1h57
